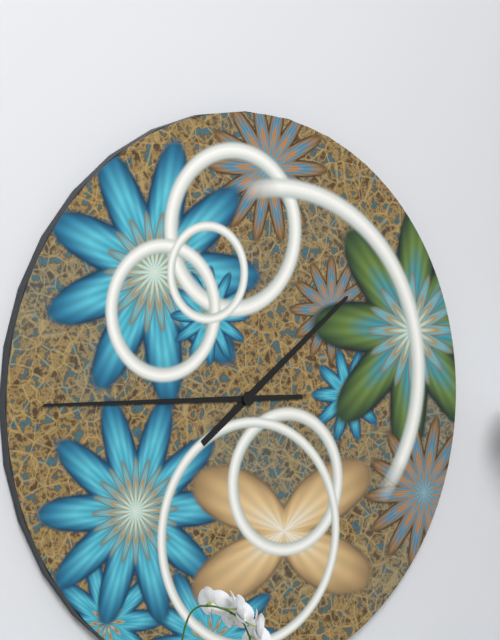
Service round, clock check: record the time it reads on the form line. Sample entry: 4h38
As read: 1h45
